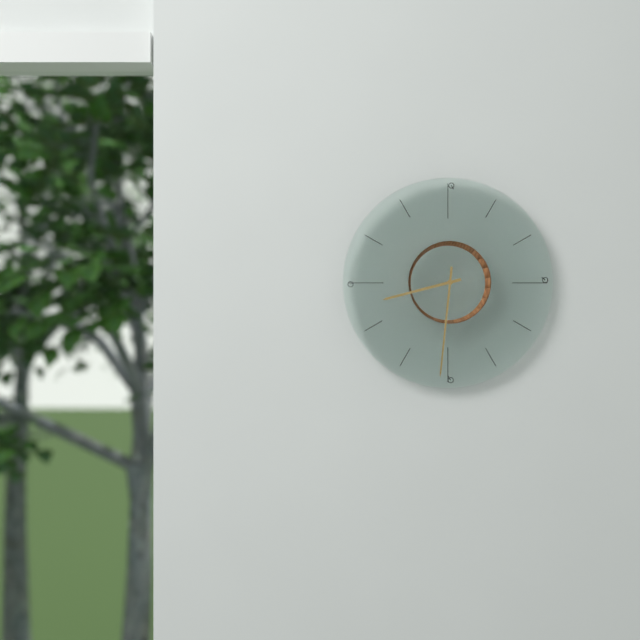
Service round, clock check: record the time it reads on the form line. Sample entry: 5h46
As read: 8h31
